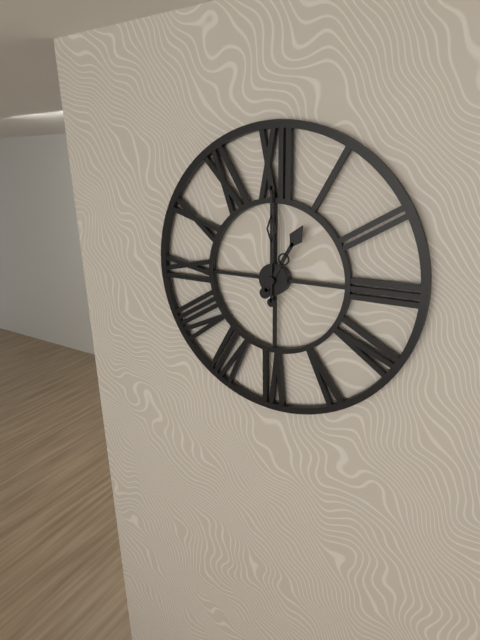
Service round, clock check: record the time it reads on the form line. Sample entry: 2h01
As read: 1h00
